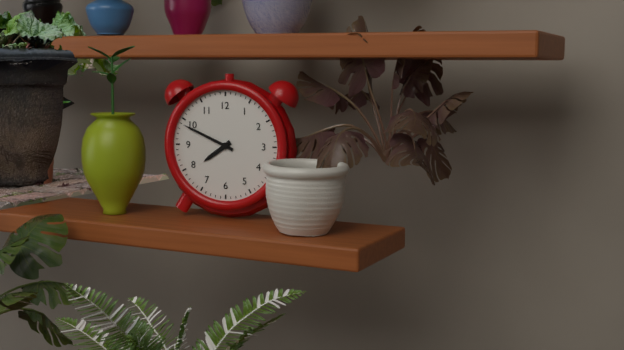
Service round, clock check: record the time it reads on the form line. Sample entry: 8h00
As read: 7h49
